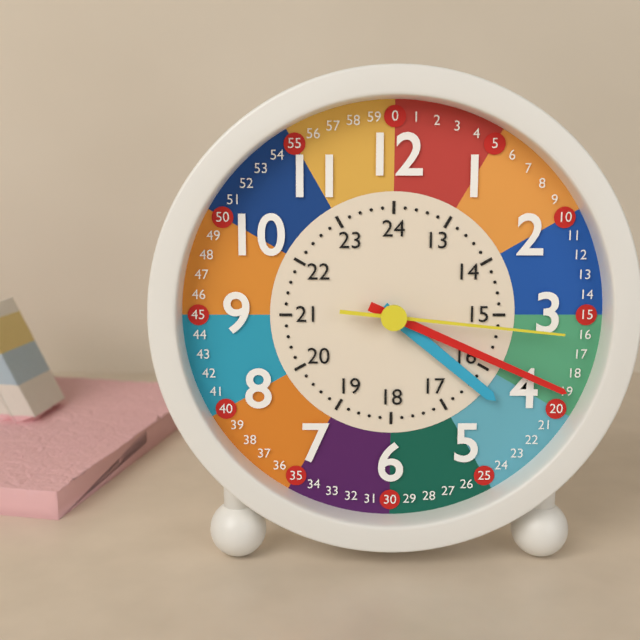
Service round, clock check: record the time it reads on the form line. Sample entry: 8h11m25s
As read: 4h19m16s
